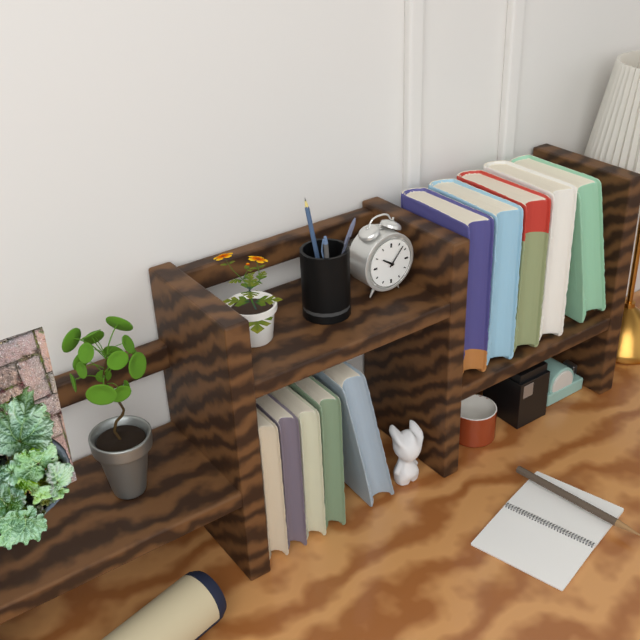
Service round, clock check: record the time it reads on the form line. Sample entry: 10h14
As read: 10h07
